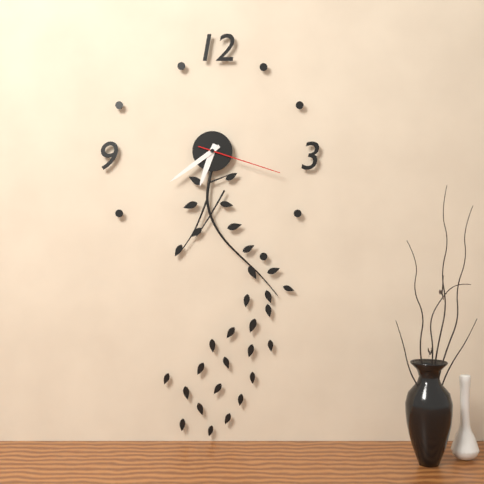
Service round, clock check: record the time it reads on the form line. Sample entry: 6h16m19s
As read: 6h39m18s
